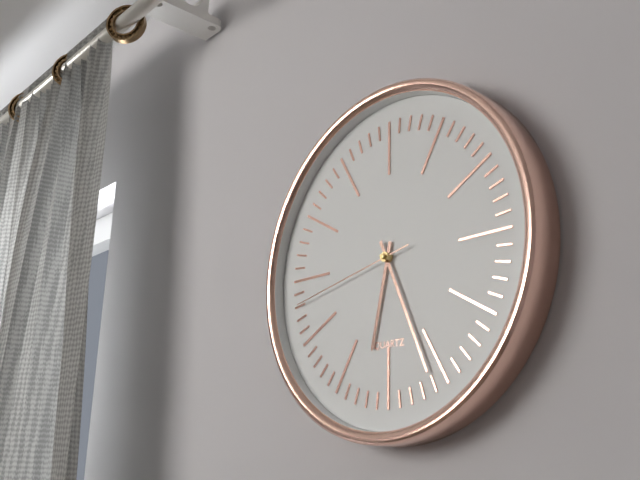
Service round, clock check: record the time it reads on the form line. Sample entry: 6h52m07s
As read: 6h26m43s
